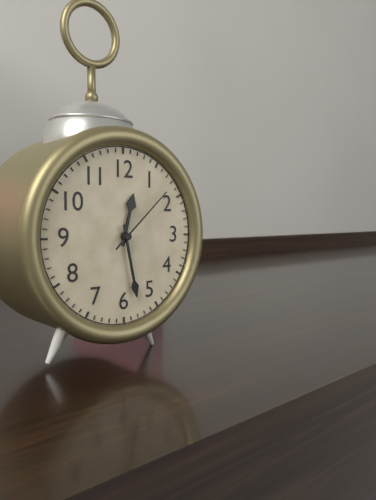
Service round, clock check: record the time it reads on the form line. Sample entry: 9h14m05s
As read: 12h28m08s
